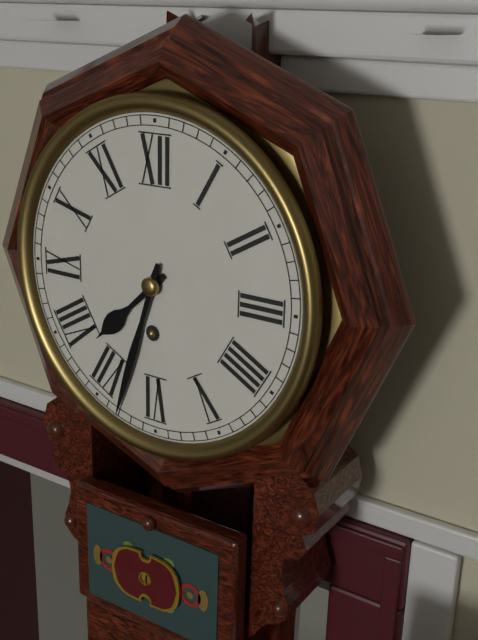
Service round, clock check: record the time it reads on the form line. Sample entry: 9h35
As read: 7h33
